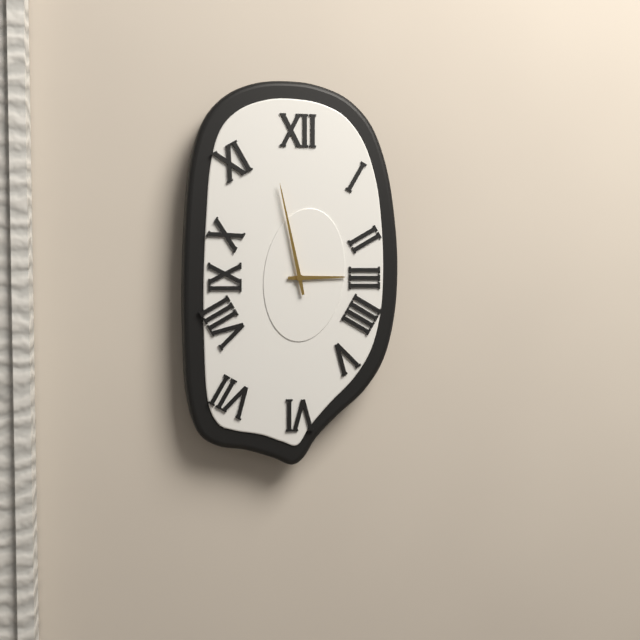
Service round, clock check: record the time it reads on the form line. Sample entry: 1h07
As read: 2h58
